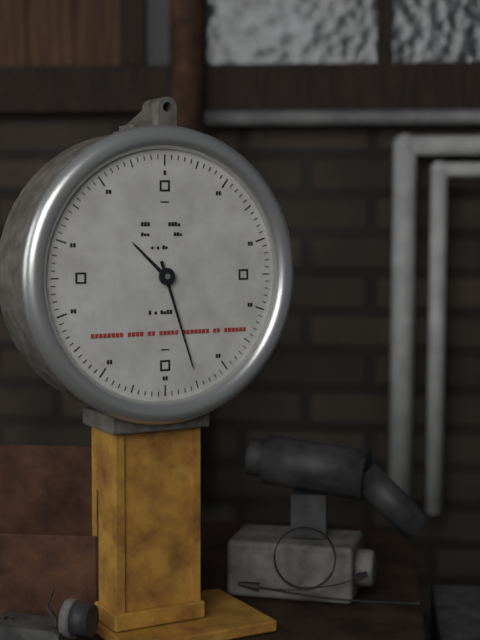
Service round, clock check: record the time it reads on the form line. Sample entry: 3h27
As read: 10h27
